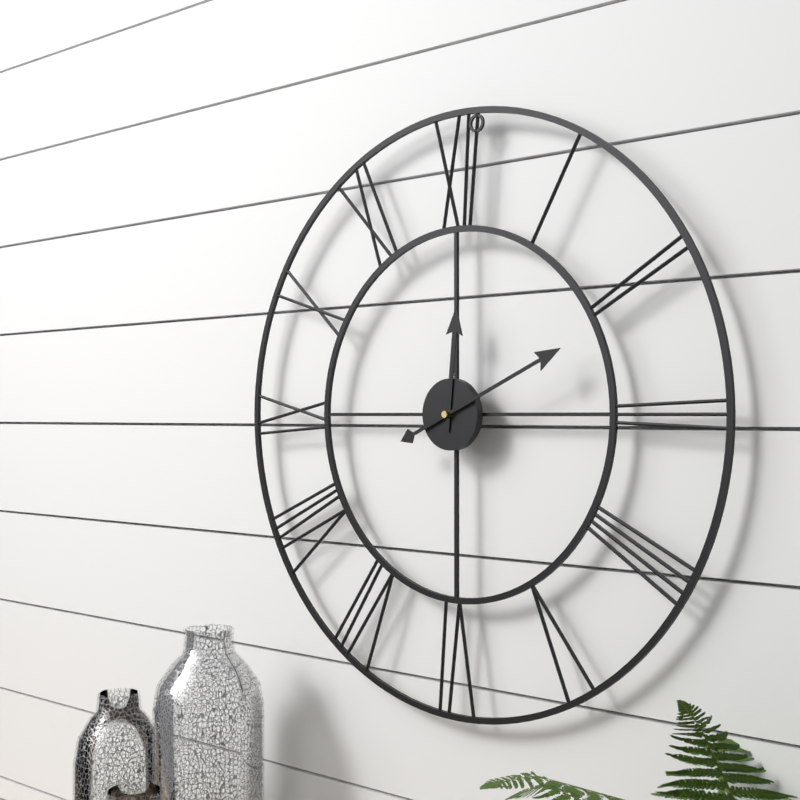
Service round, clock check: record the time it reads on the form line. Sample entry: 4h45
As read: 12h11
